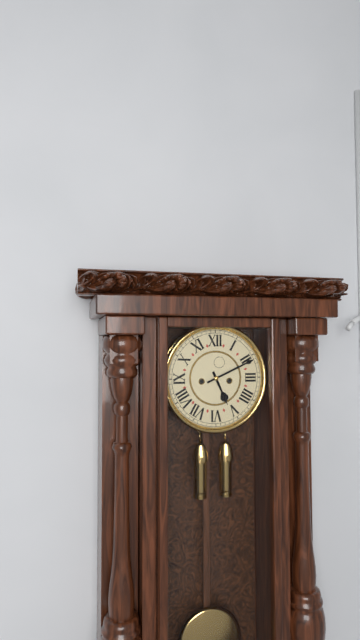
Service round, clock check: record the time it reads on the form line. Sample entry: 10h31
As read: 5h11
